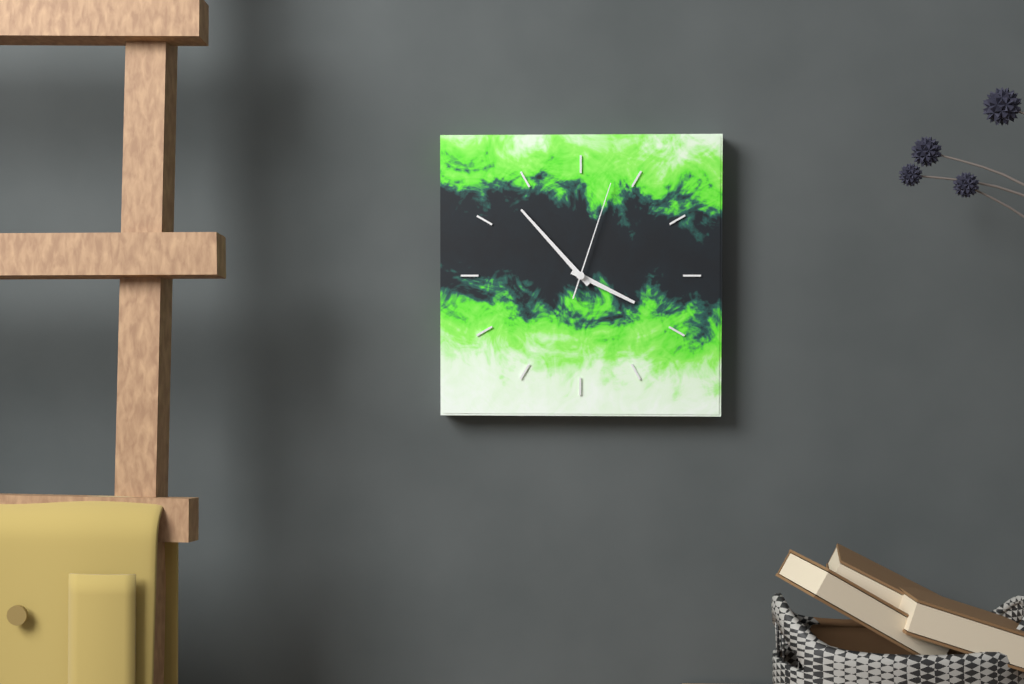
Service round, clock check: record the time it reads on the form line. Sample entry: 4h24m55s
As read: 3h53m03s
